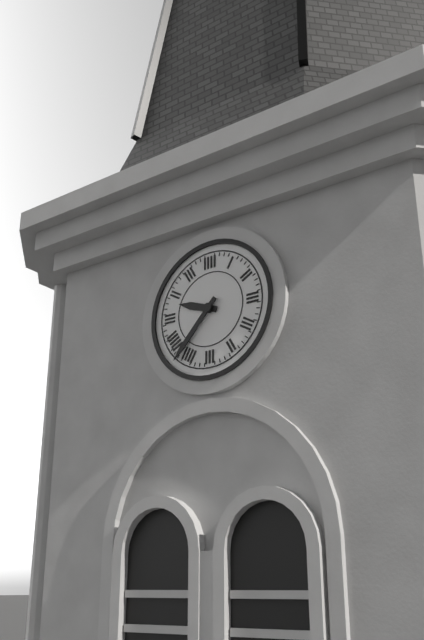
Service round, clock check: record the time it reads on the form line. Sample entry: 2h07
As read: 9h37
